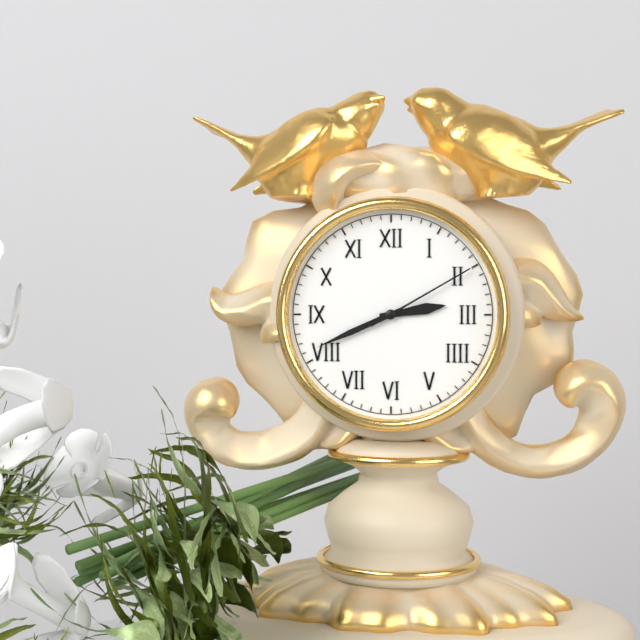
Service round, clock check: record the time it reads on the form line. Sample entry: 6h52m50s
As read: 2h41m10s
